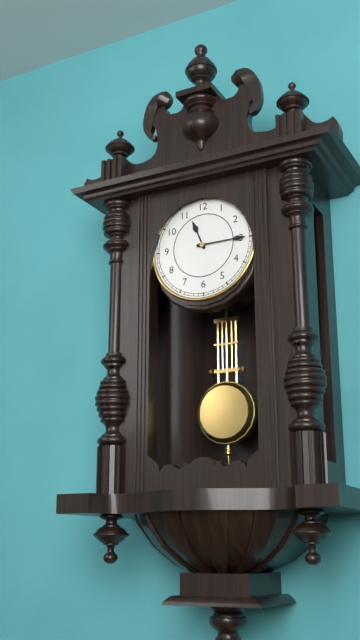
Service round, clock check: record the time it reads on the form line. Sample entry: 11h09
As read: 11h15
